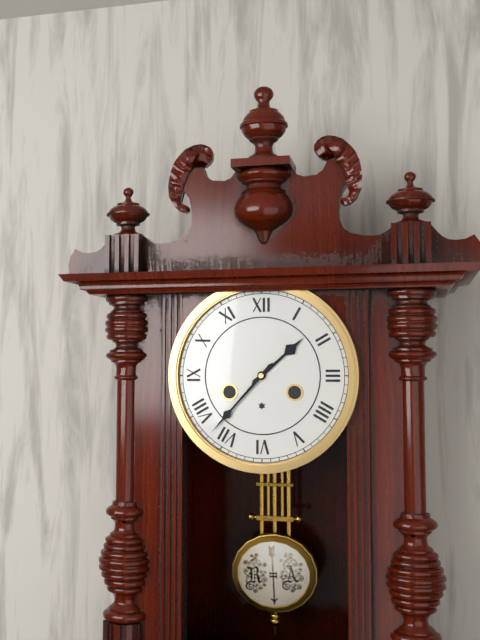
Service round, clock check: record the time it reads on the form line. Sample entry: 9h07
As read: 1h37
